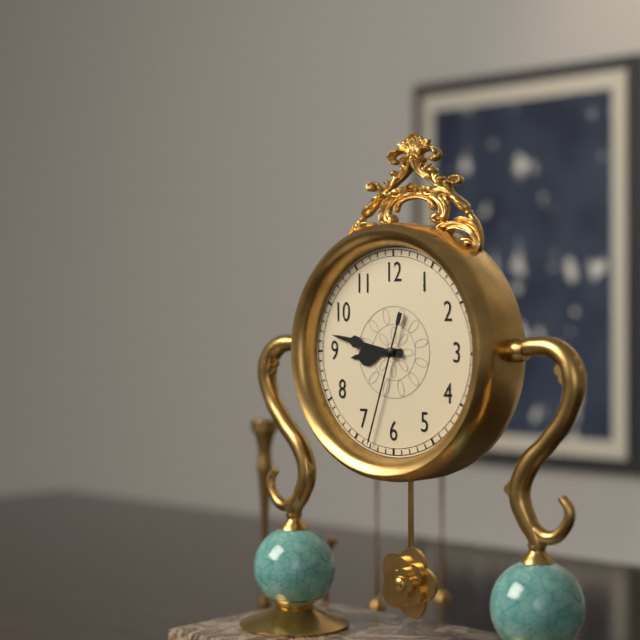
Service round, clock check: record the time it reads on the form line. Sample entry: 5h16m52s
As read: 8h47m33s
